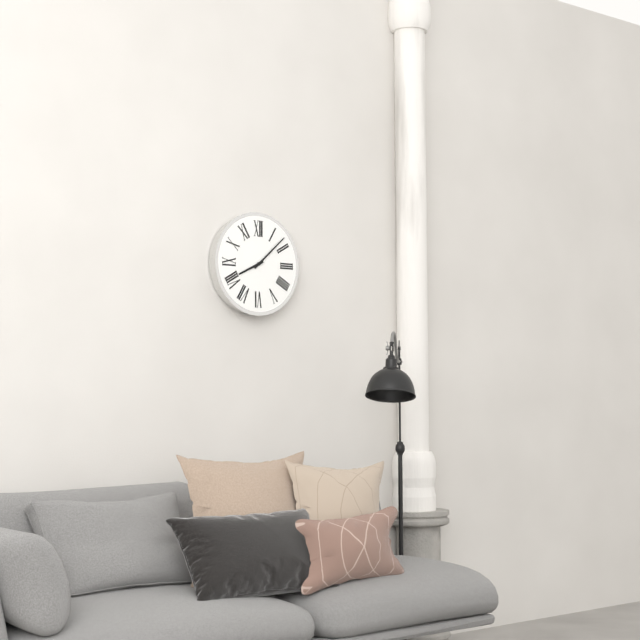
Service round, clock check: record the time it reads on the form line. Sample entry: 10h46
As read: 8h08
